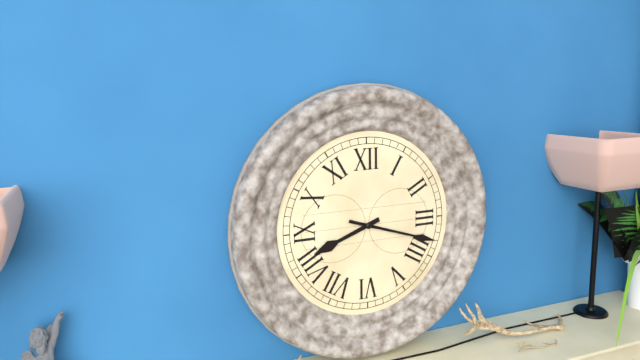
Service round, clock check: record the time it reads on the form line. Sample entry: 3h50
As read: 8h18
